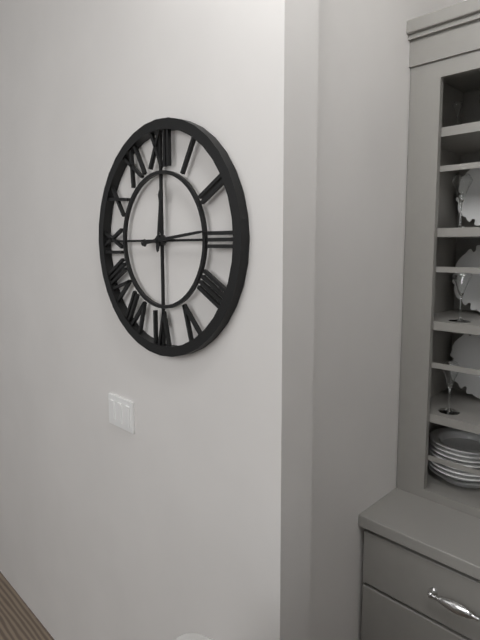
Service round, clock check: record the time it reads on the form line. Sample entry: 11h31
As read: 12h14
